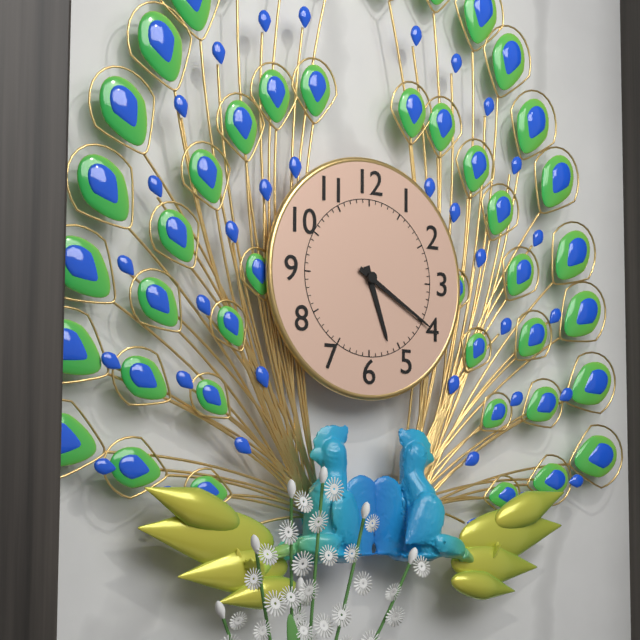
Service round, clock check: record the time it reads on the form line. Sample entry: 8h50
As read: 5h20
